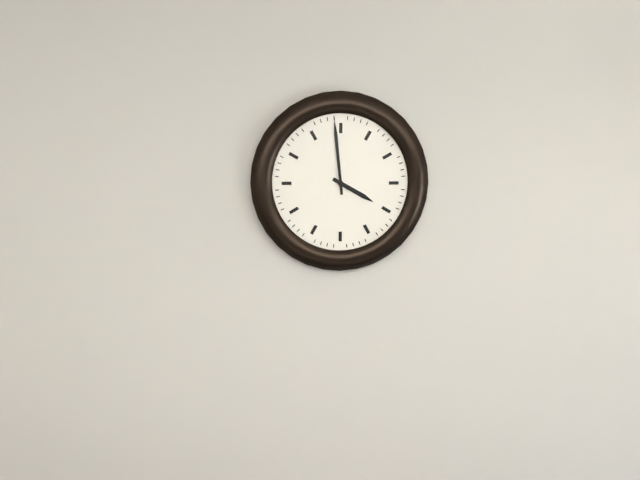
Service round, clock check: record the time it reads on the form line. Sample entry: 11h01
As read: 3h59
